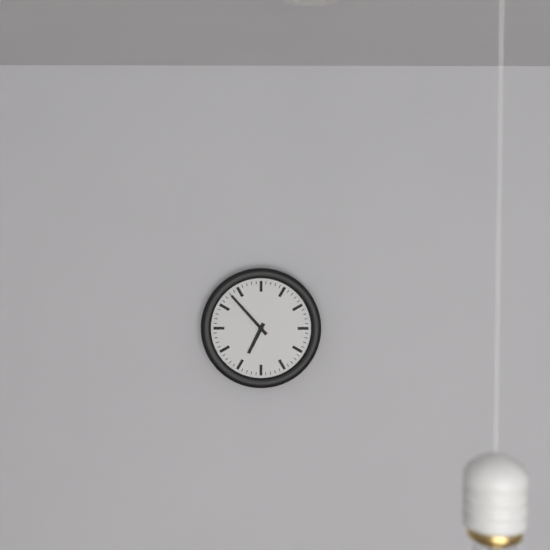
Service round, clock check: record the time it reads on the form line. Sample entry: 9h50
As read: 6h53
